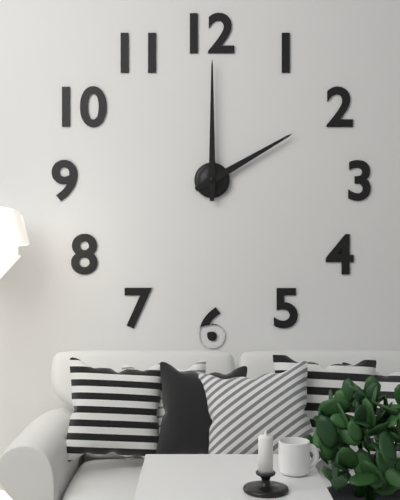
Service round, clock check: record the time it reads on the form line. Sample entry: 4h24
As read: 2h00
